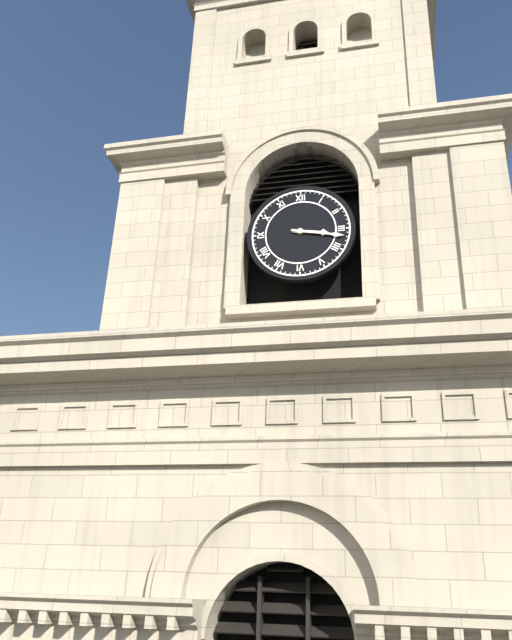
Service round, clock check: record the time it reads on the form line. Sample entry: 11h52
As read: 3h17
